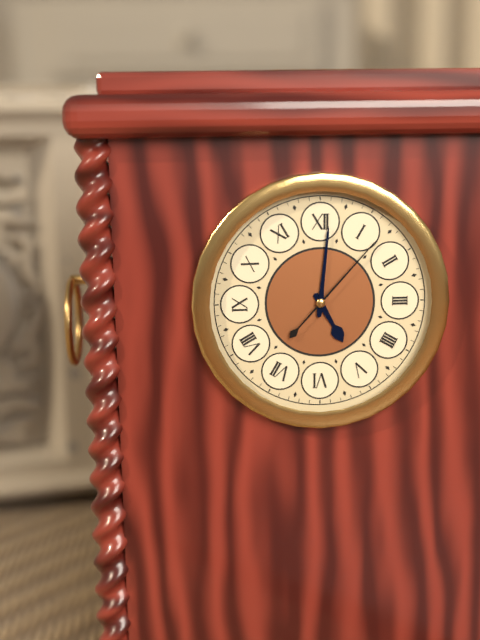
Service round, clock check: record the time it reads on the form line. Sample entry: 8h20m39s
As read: 5h01m07s
